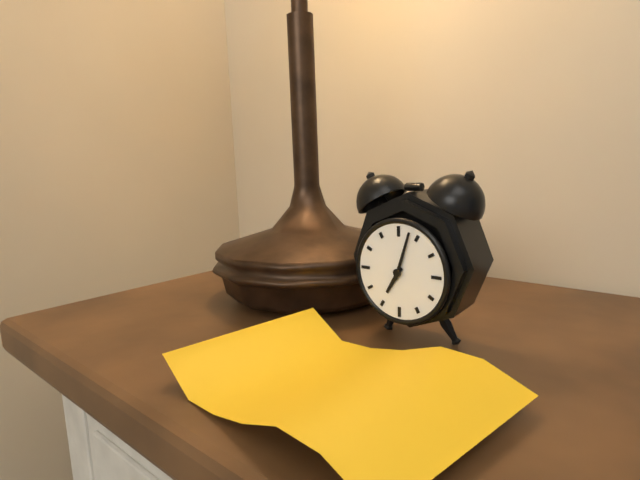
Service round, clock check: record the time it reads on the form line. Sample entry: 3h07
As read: 7h03
